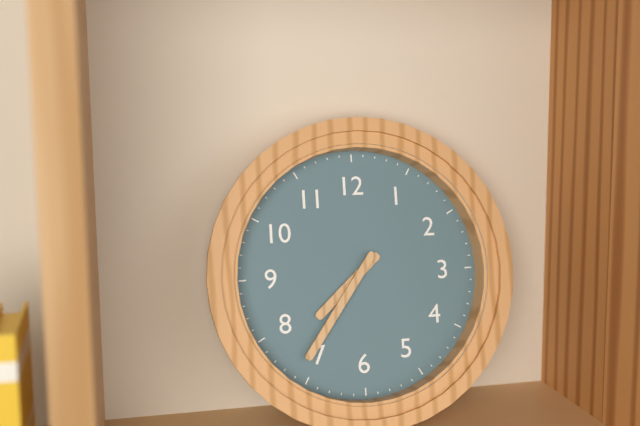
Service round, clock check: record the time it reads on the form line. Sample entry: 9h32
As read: 7h36
